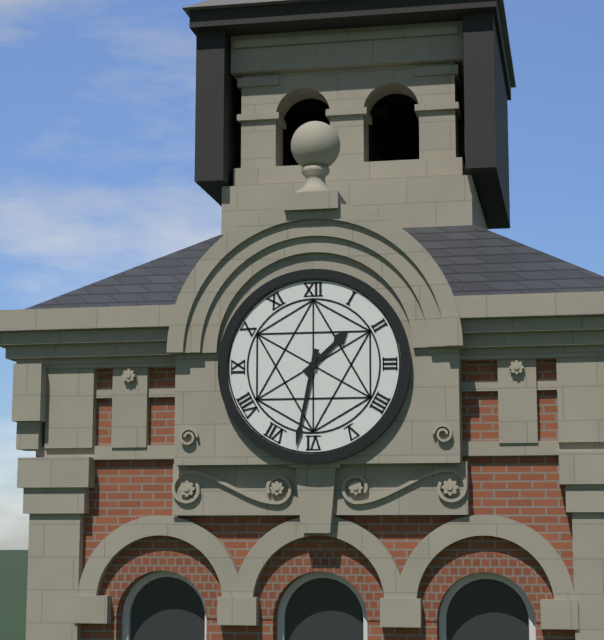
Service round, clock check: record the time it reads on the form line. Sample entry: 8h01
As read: 1h32
